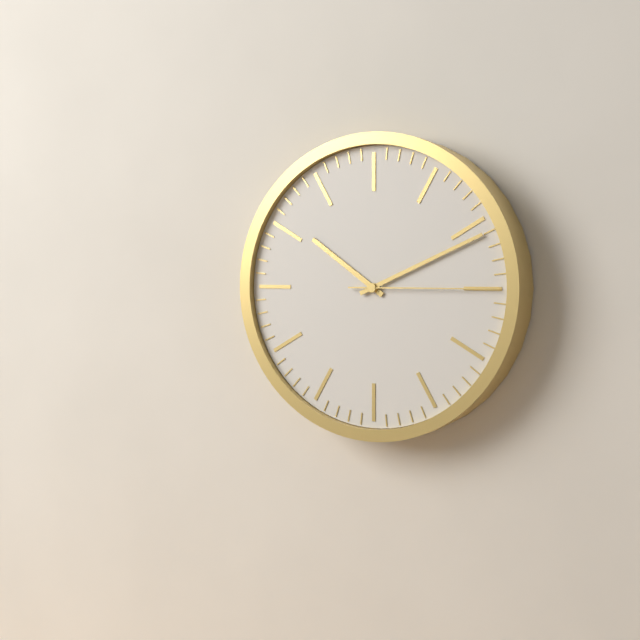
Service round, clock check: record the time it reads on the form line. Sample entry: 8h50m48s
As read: 10h11m15s
